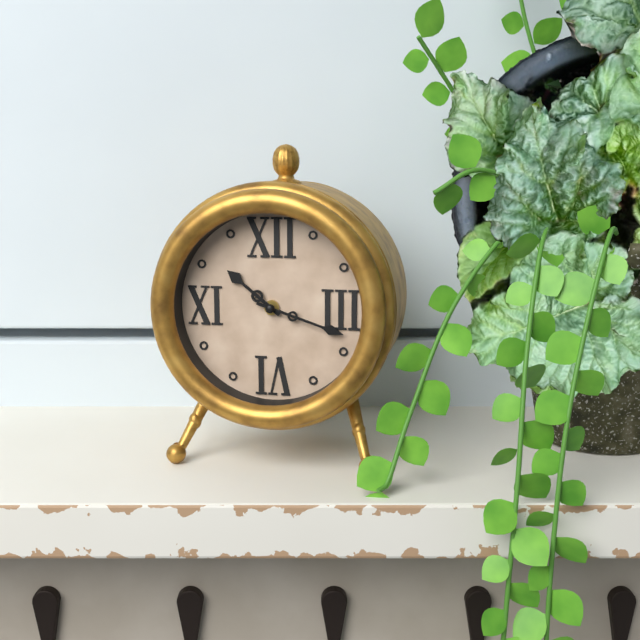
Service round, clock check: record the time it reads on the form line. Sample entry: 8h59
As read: 10h18
